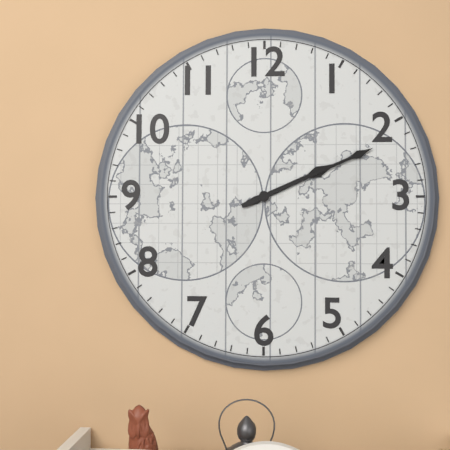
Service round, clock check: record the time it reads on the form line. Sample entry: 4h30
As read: 2h11
